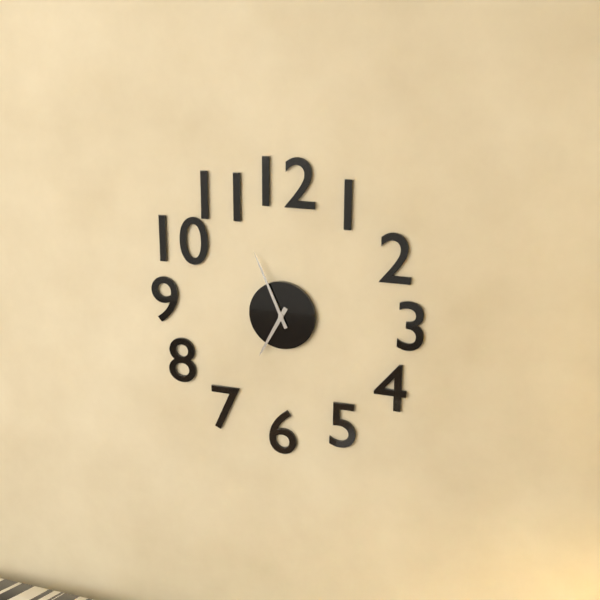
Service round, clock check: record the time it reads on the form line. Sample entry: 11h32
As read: 6h56
